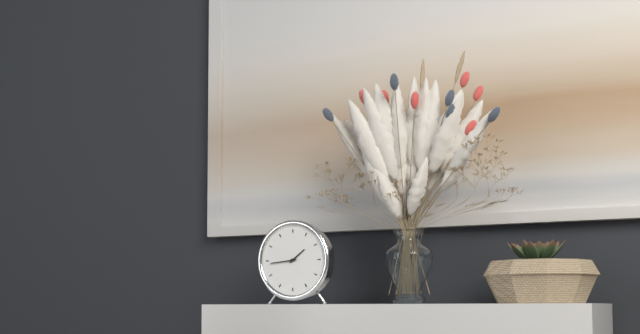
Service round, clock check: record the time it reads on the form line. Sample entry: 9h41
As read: 1h44
